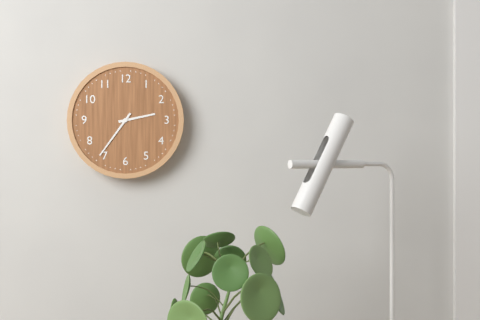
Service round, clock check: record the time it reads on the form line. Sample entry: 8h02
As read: 2h36
